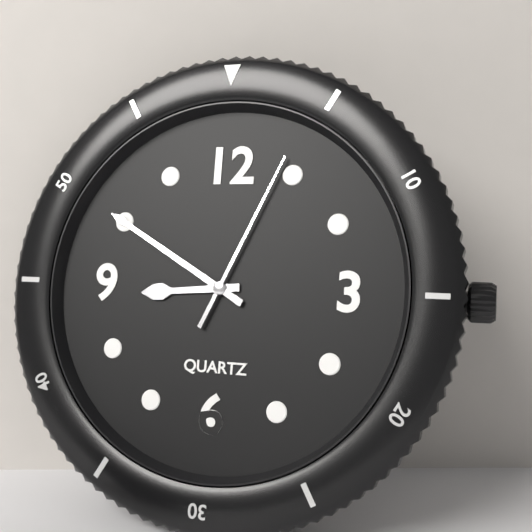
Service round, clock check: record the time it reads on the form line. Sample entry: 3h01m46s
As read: 8h50m04s
